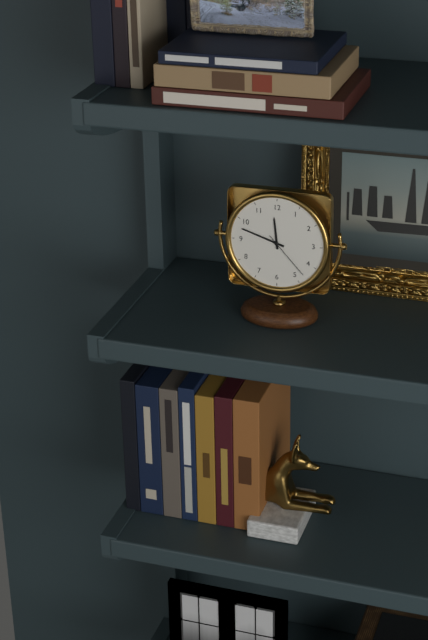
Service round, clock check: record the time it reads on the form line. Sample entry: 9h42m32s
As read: 11h48m23s
